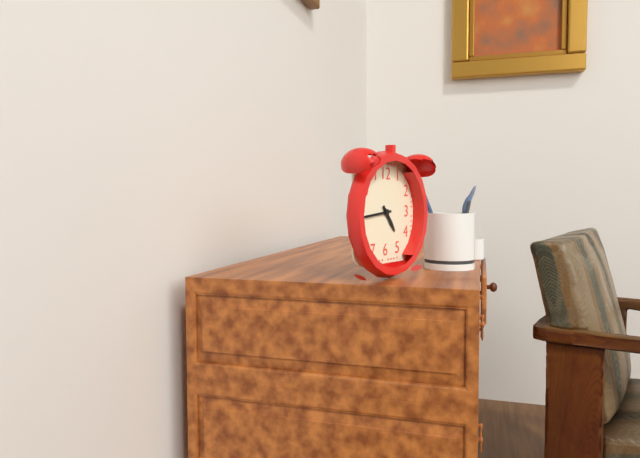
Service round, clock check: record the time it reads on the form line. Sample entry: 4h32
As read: 4h44
